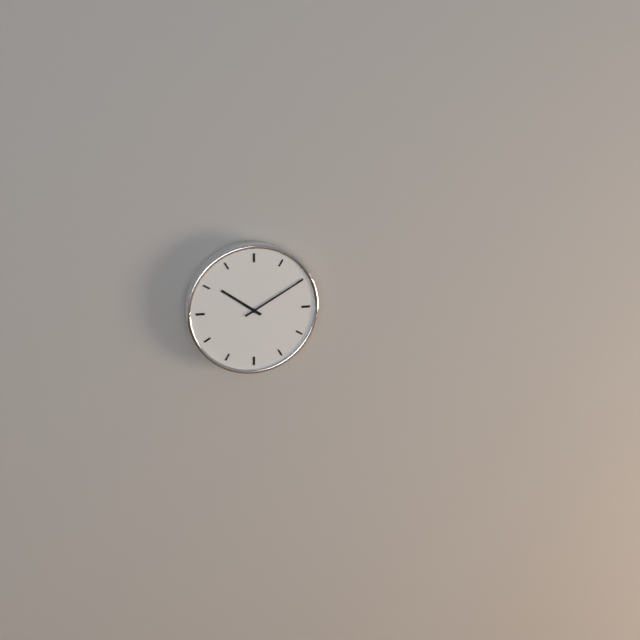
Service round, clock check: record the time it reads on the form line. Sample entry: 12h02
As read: 10h10
